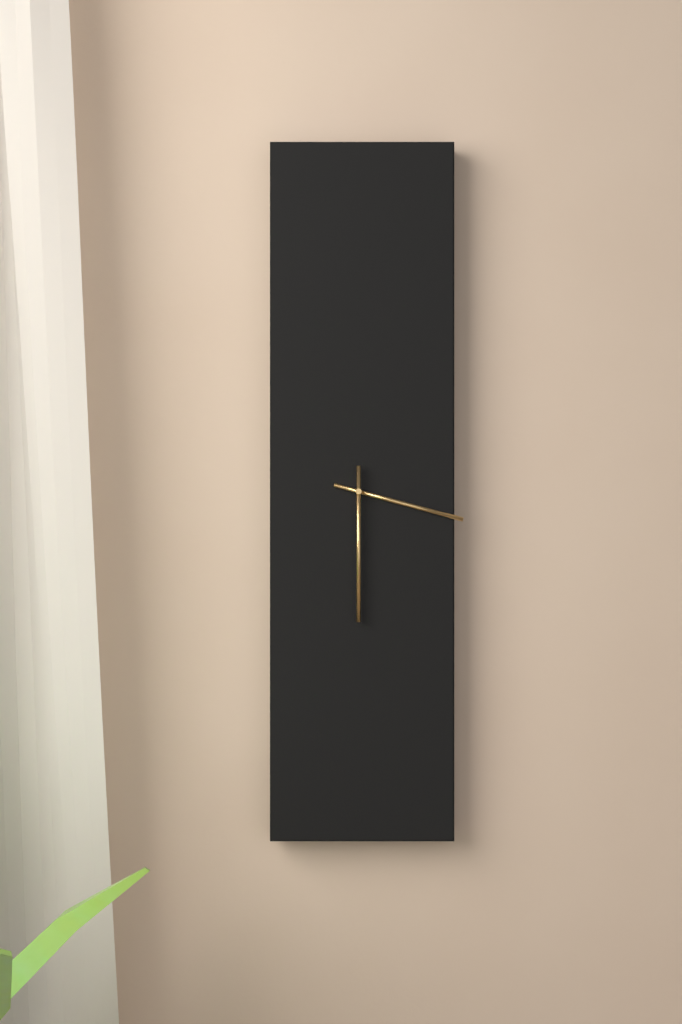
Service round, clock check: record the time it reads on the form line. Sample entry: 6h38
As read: 3h30
